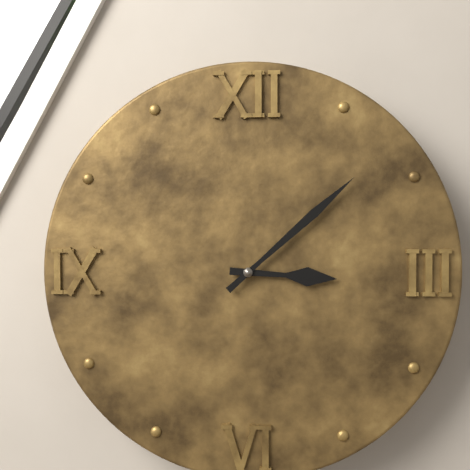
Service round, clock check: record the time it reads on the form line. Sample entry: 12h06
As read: 3h08
